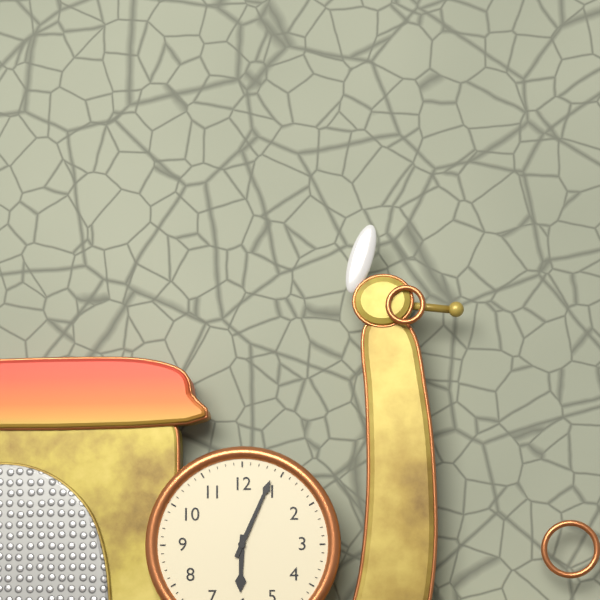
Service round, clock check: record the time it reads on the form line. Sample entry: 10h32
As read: 6h04
